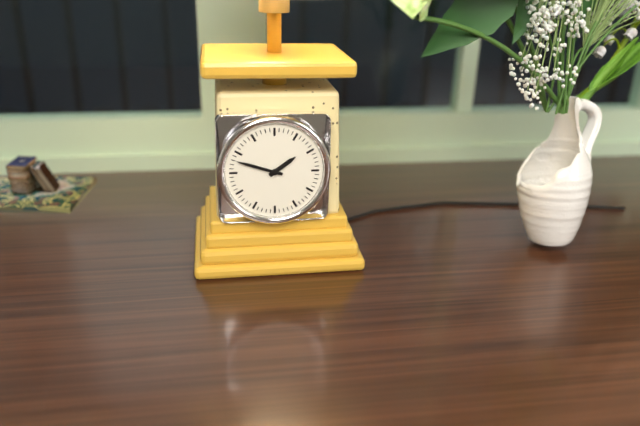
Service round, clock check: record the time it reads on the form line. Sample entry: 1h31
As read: 1h48
